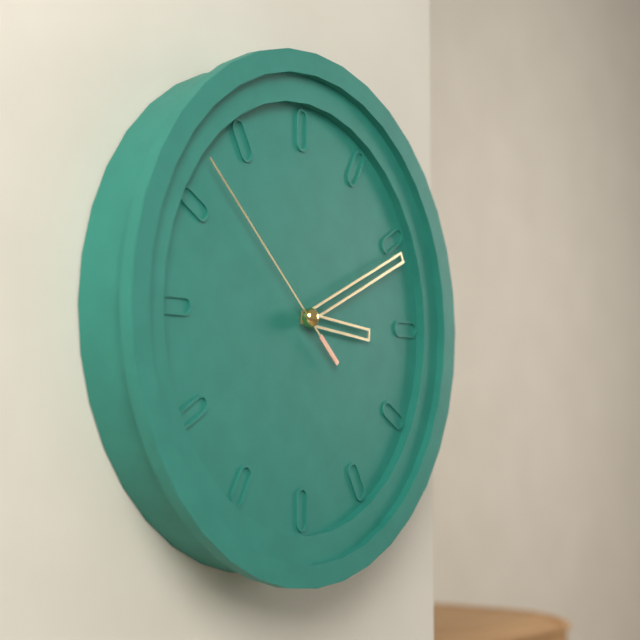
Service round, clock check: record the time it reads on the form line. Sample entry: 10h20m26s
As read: 3h11m52s
